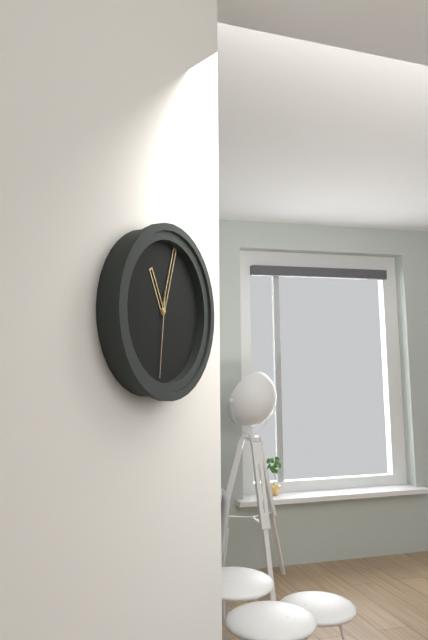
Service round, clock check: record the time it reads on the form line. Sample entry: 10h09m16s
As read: 11h03m31s
